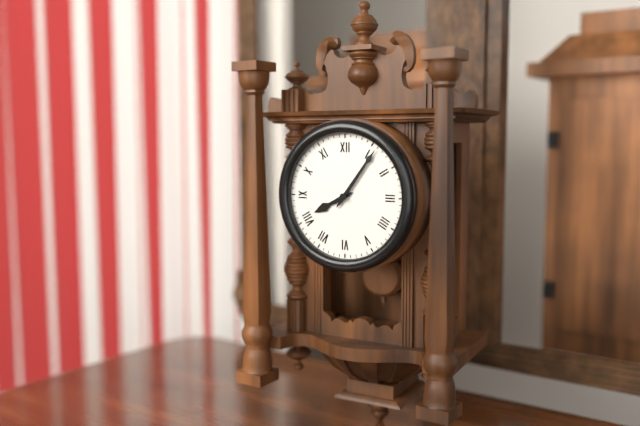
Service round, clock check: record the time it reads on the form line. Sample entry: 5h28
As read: 8h06
